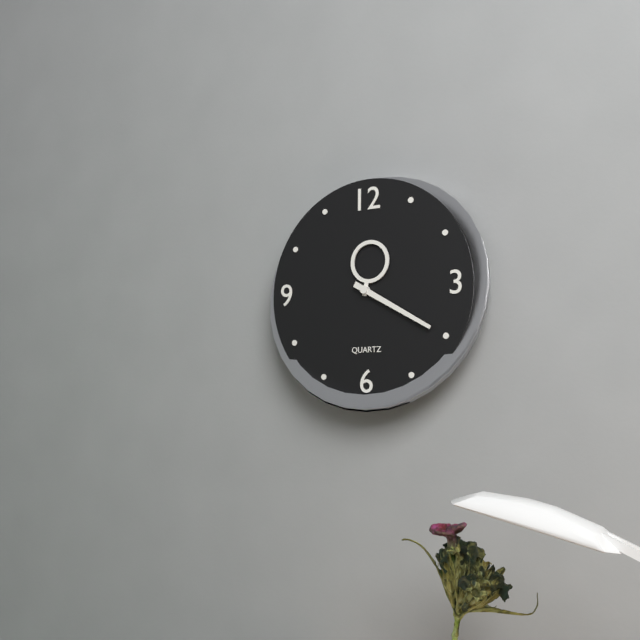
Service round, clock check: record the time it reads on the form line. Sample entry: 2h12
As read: 12h20
